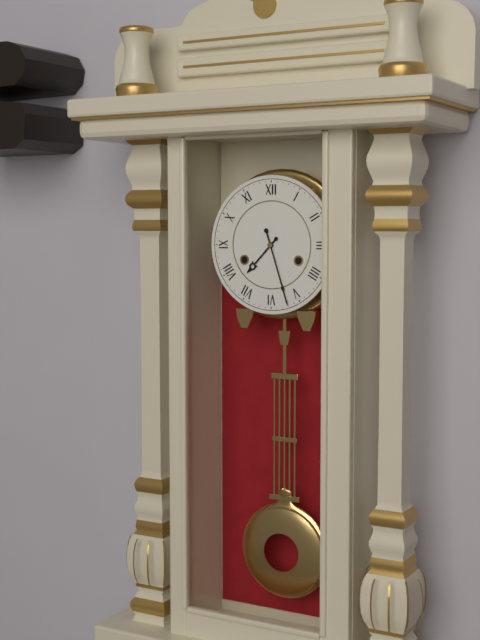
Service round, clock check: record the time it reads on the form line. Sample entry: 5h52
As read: 7h27
